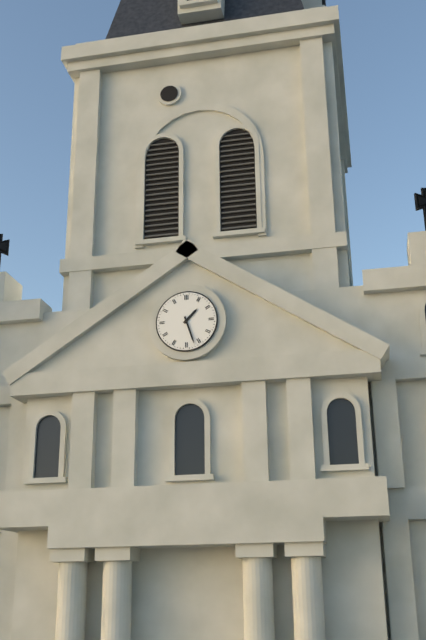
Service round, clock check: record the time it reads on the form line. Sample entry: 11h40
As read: 1h27
